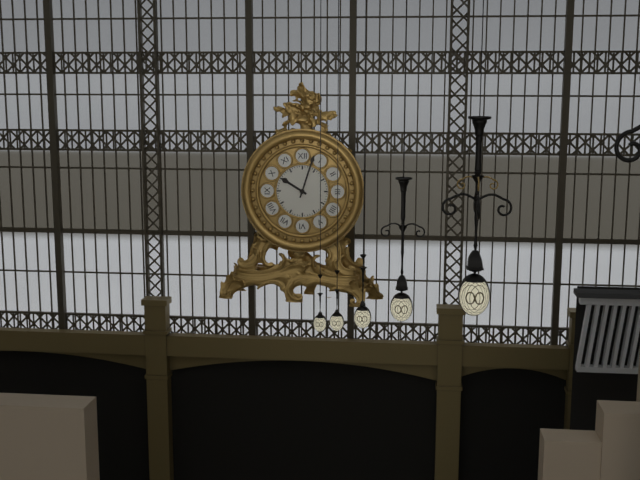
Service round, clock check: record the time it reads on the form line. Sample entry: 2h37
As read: 10h03
